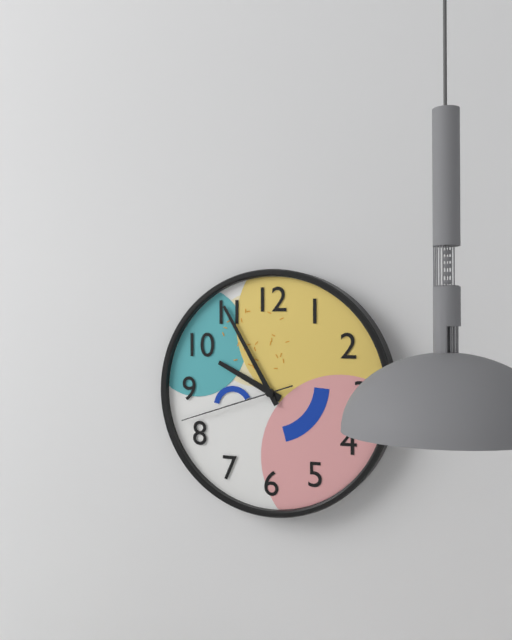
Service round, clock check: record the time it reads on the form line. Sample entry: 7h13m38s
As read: 9h55m42s
